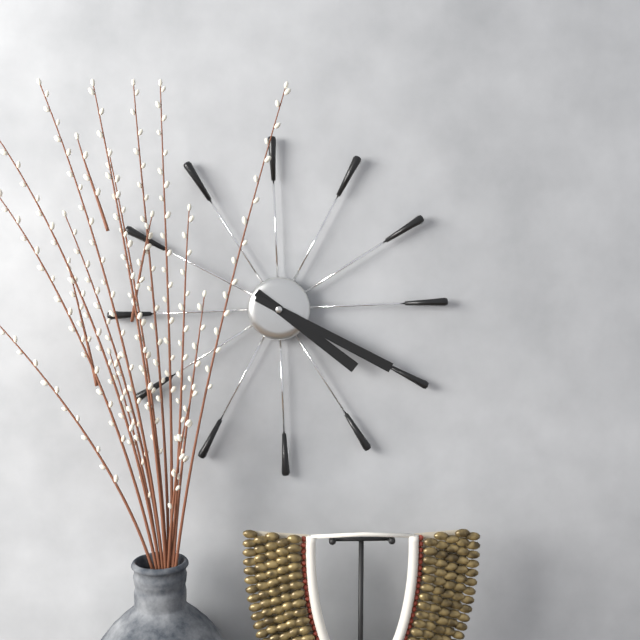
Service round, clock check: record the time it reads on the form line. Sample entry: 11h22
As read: 4h20
